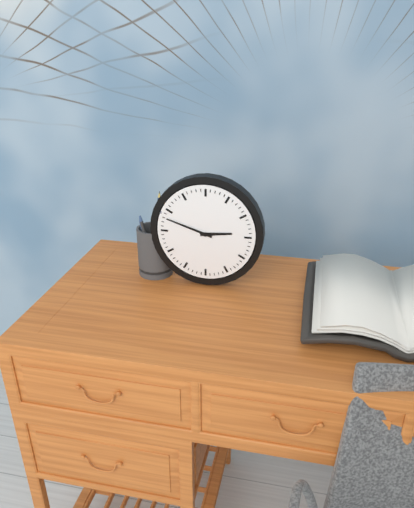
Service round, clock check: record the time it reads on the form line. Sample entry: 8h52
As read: 2h48
